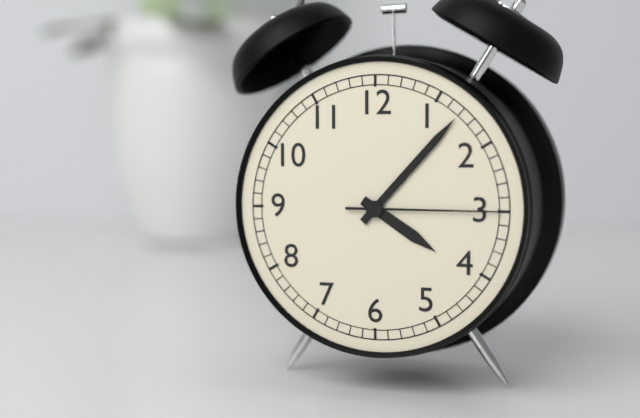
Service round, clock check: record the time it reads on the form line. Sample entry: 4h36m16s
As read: 4h07m15s
